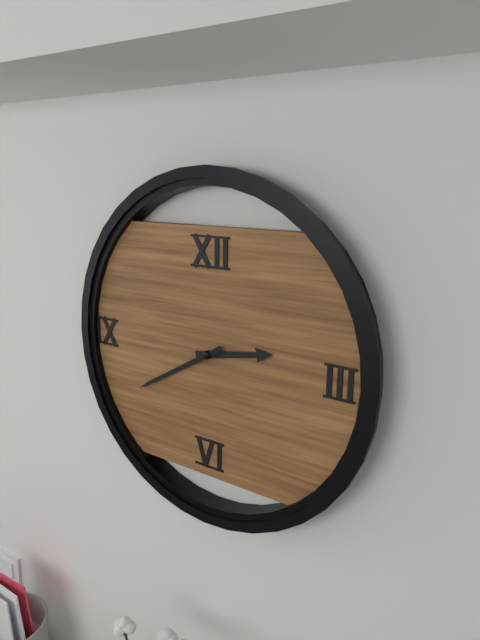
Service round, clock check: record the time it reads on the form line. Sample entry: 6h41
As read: 2h40
